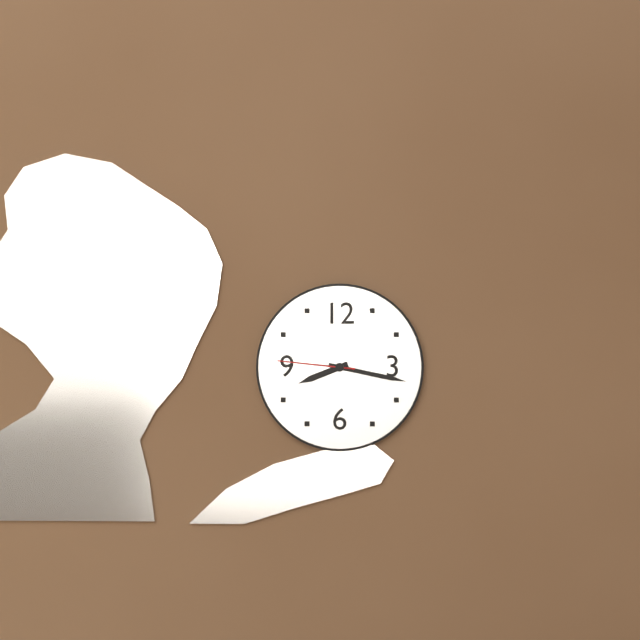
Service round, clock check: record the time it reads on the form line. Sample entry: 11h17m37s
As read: 8h17m46s
